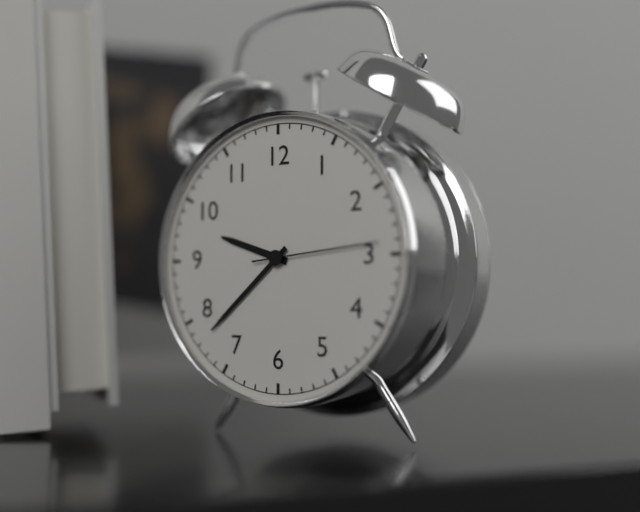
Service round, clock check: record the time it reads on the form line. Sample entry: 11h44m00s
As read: 9h38m14s
